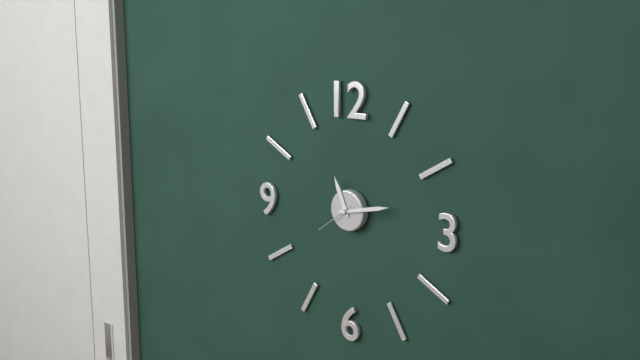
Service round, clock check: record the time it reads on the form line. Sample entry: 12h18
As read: 11h13
